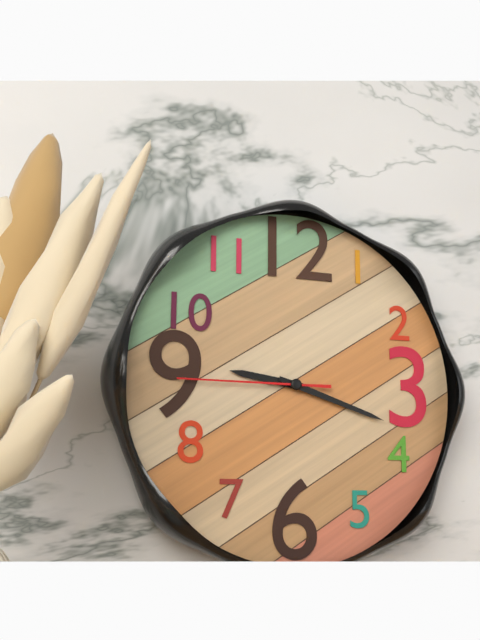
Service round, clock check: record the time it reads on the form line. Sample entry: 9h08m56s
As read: 9h18m45s
